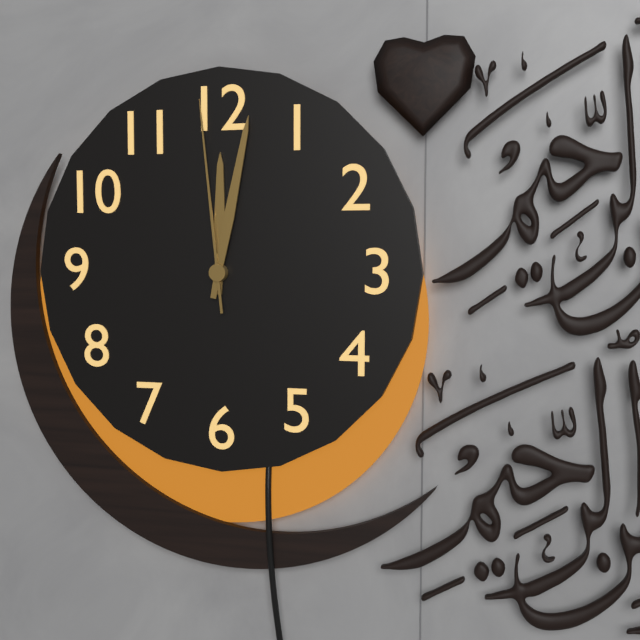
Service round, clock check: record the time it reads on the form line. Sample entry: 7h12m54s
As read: 12h02m59s
